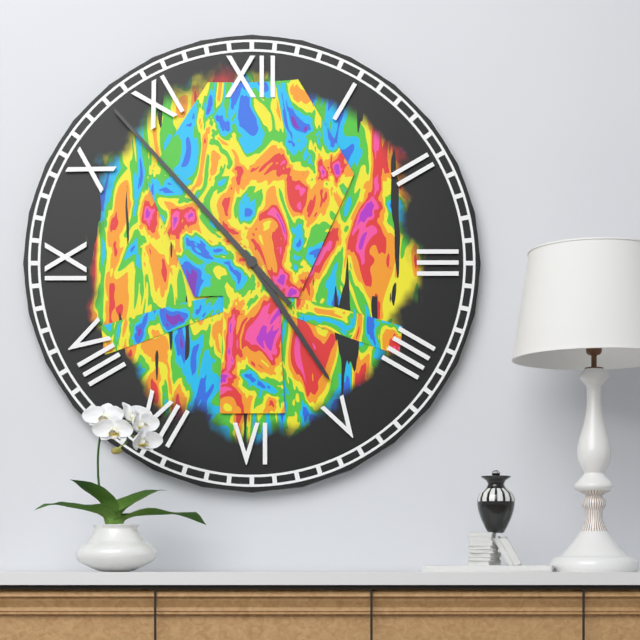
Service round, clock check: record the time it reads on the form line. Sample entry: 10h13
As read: 4h53
